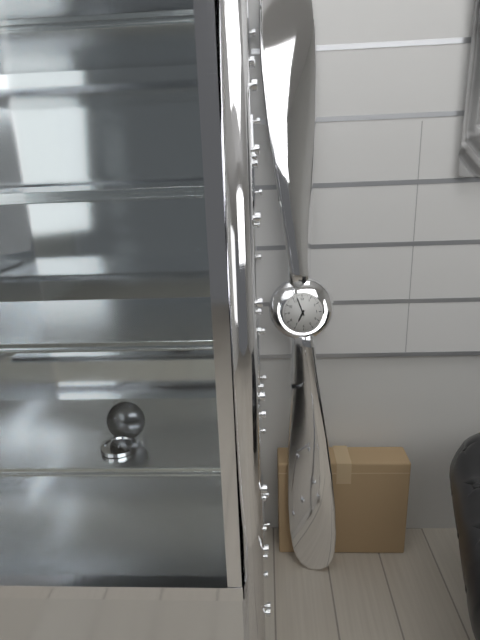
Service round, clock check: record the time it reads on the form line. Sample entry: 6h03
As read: 6h57
